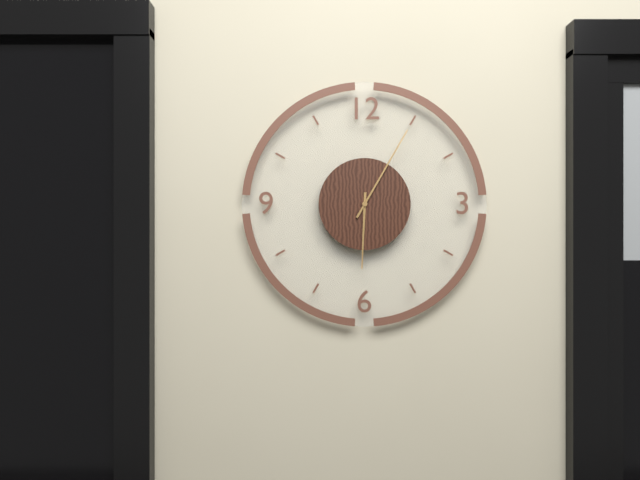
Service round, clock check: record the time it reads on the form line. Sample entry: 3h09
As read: 6h05
